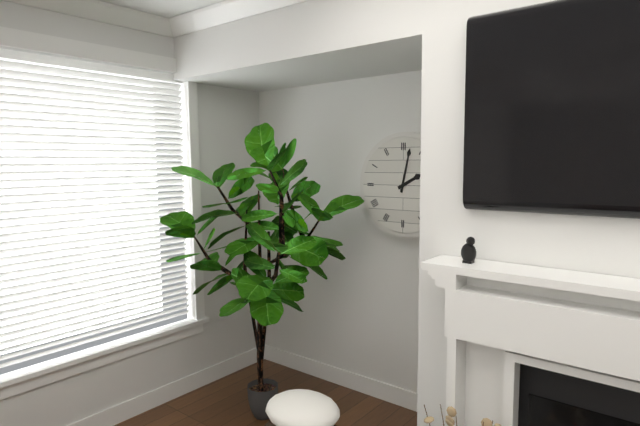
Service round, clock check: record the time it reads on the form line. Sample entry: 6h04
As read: 2h02
